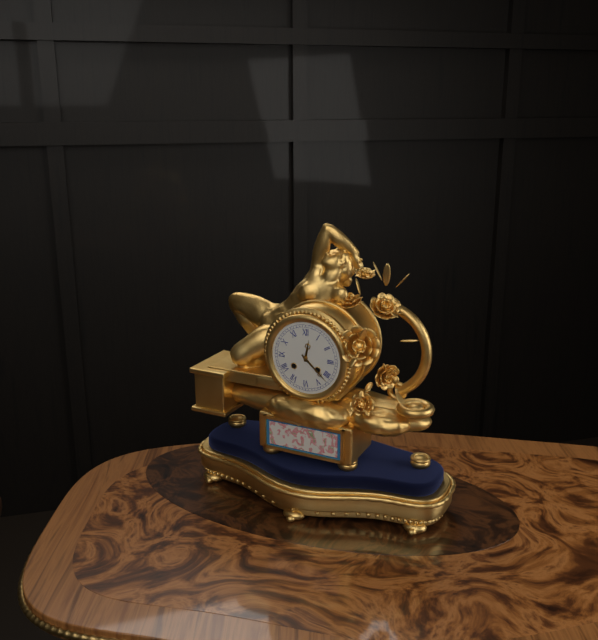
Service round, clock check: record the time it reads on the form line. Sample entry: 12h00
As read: 12h22
